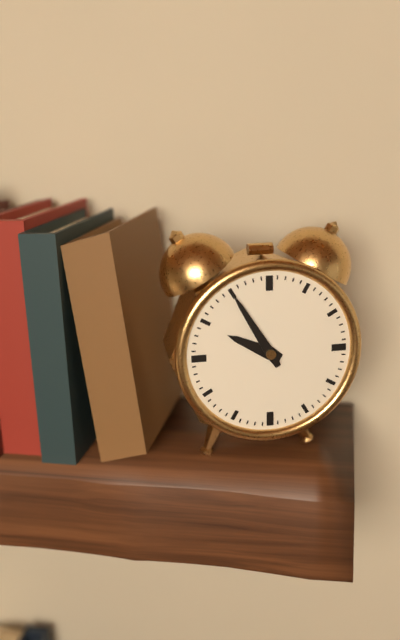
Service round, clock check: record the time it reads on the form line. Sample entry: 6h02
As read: 9h55
